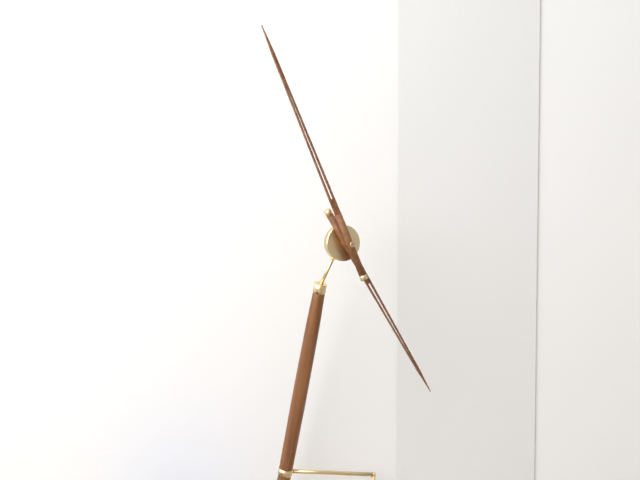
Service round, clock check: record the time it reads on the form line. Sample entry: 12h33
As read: 4h56
